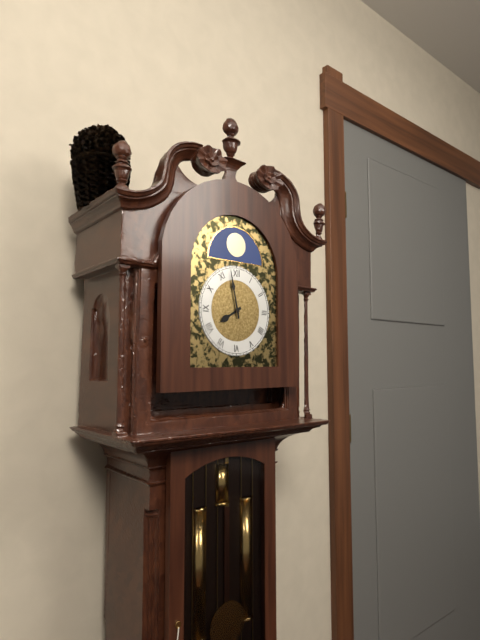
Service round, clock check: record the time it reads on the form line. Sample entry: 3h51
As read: 7h58
